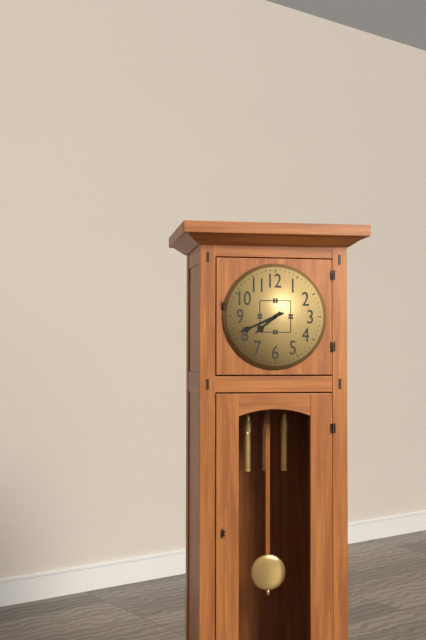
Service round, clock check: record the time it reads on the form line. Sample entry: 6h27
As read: 7h41
